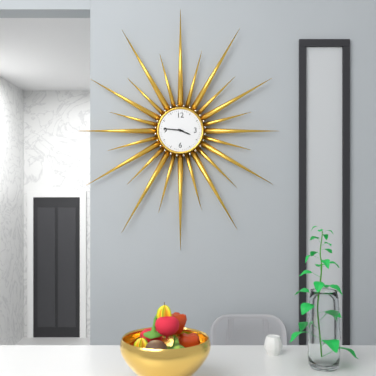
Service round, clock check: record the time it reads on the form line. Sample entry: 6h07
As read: 3h46
